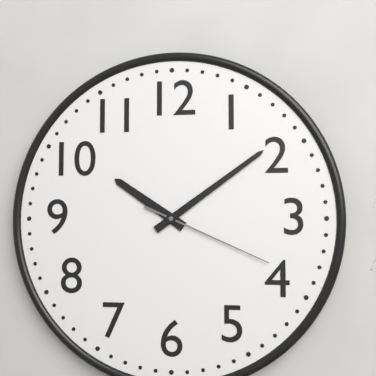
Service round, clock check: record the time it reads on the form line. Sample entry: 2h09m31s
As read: 10h09m19s
